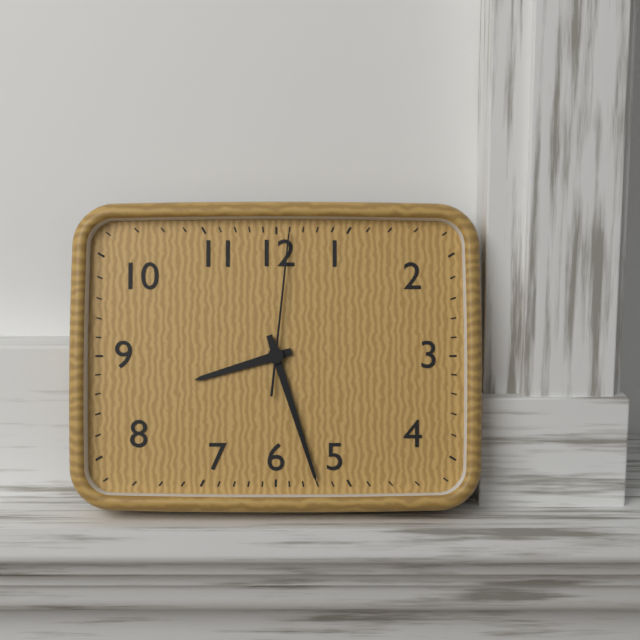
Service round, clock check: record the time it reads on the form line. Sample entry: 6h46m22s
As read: 8h27m01s
